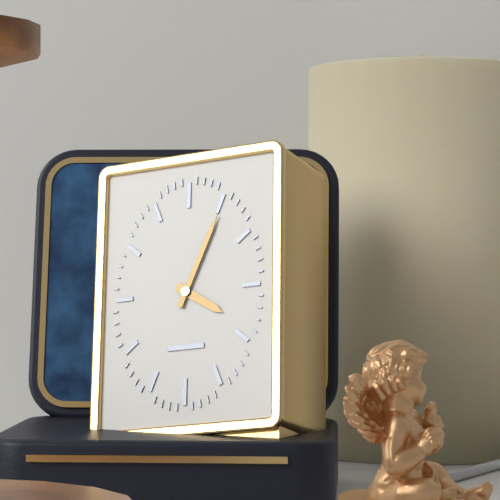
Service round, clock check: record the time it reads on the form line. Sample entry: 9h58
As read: 4h04
